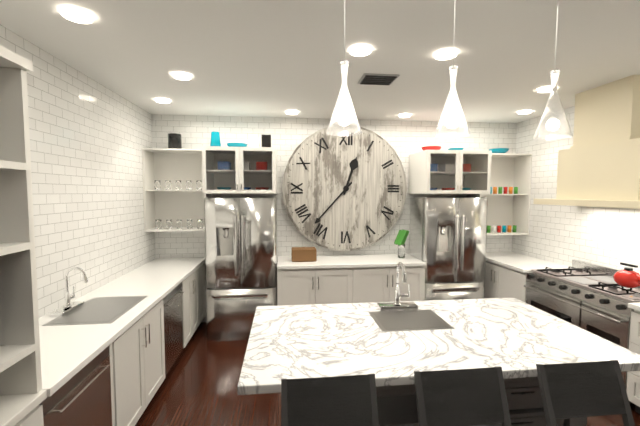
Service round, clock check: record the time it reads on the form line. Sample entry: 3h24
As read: 12h37
